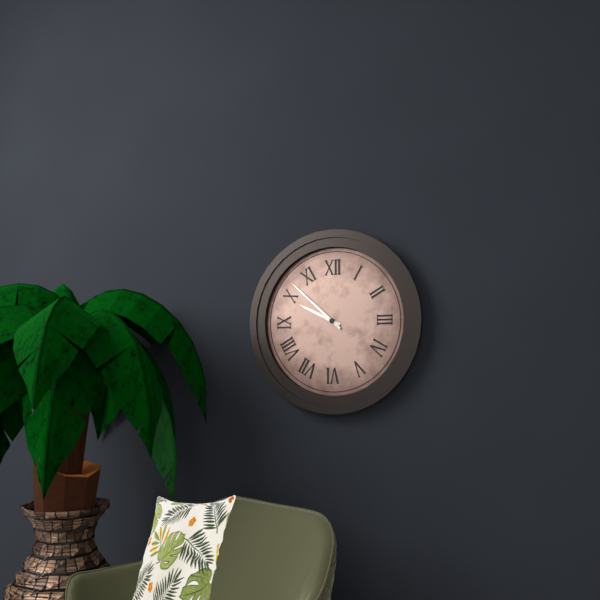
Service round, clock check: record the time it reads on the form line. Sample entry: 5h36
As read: 9h52
